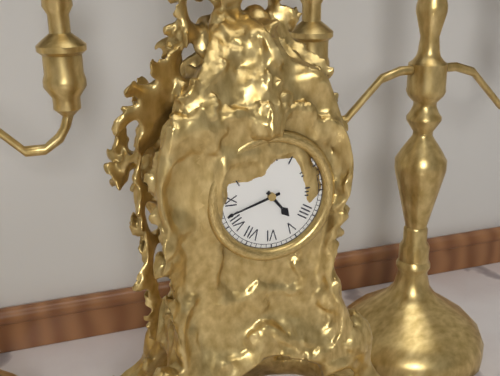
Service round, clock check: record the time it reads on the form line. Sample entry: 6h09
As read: 4h42
